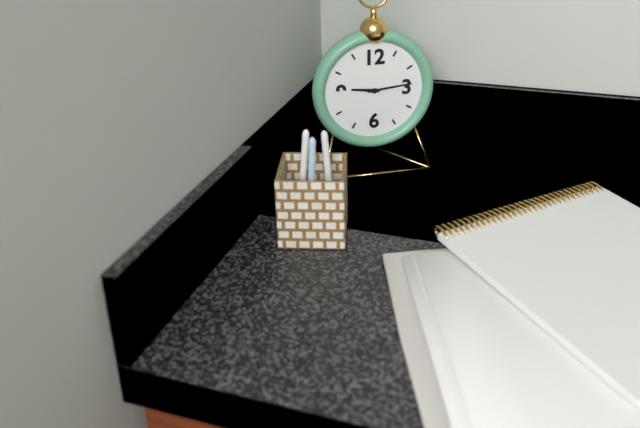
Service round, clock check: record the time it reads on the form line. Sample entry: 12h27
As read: 9h14
